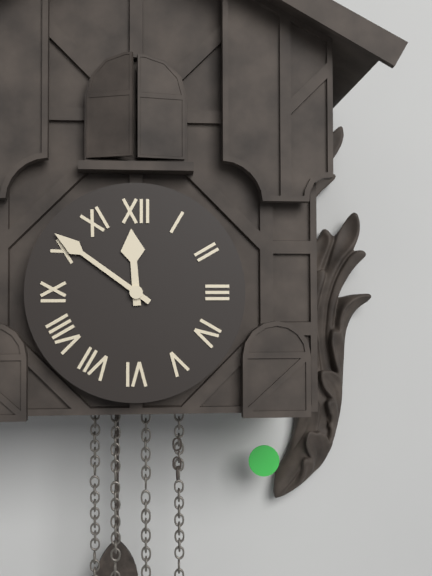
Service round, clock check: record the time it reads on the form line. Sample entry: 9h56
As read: 11h51
